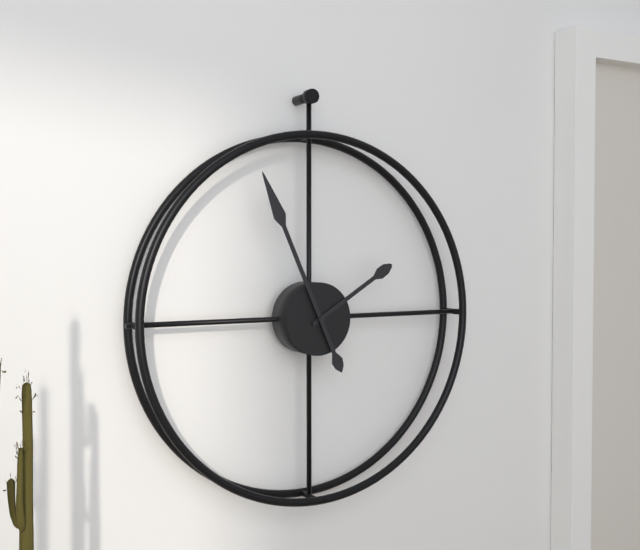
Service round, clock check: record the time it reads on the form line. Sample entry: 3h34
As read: 1h56
